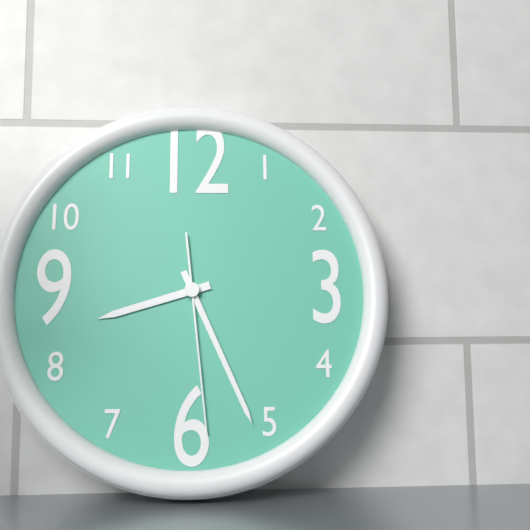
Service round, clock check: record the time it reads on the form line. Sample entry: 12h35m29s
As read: 8h26m29s
